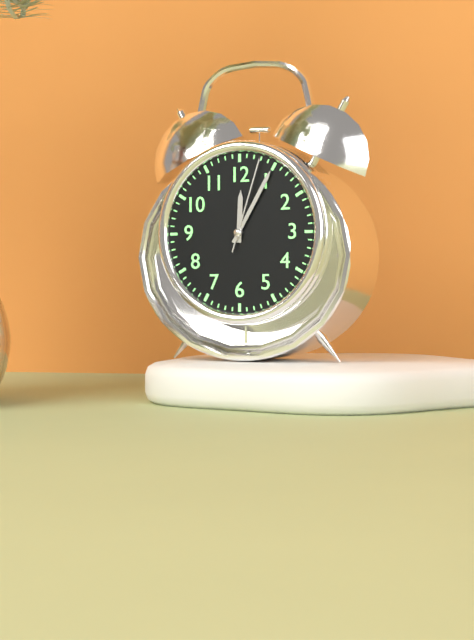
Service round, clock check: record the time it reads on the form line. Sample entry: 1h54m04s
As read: 12h05m03s
